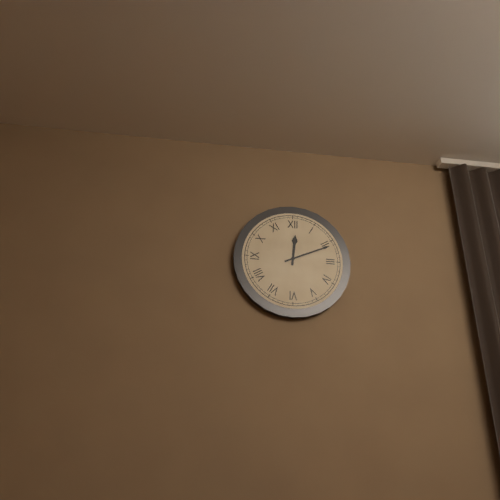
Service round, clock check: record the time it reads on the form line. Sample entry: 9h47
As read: 12h11
